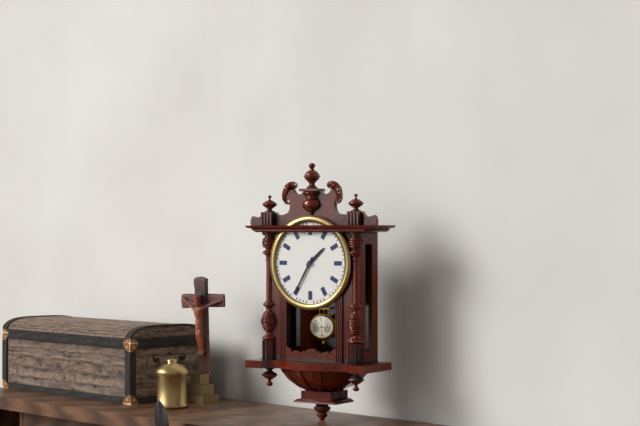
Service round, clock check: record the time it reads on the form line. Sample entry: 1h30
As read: 1h35
